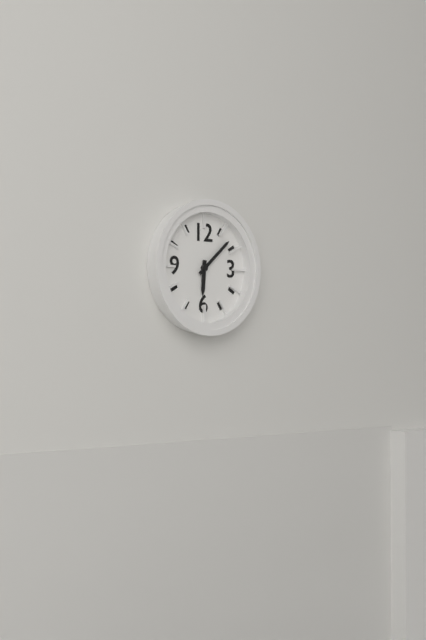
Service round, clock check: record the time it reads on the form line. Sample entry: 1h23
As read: 6h08
